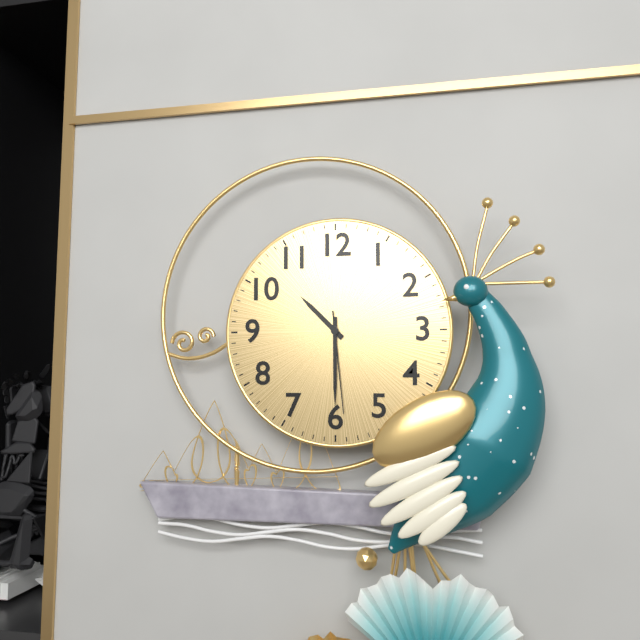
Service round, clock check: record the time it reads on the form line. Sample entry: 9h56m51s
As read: 10h30m29s
